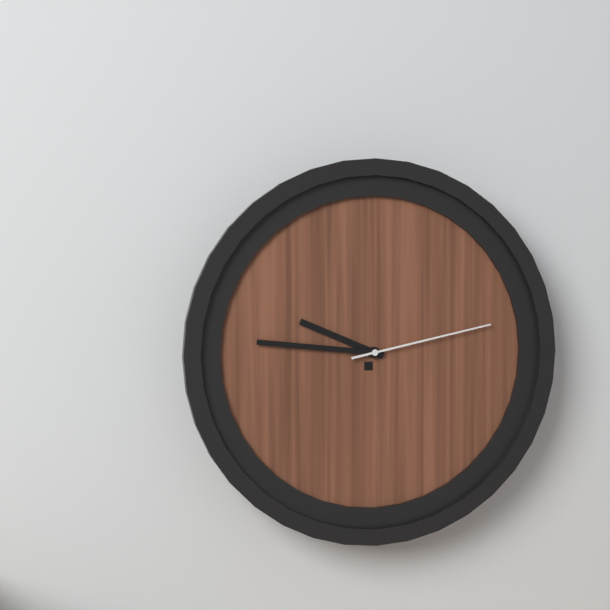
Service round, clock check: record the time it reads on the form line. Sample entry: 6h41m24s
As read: 9h46m13s
